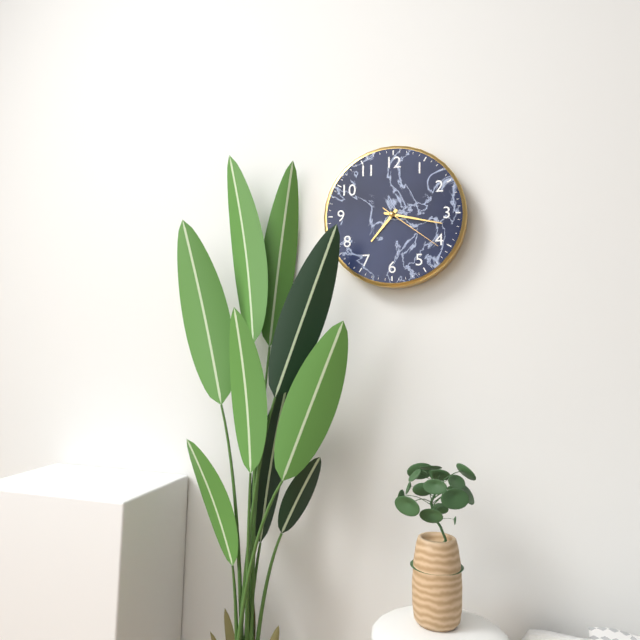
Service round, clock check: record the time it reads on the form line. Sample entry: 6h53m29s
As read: 7h17m21s
